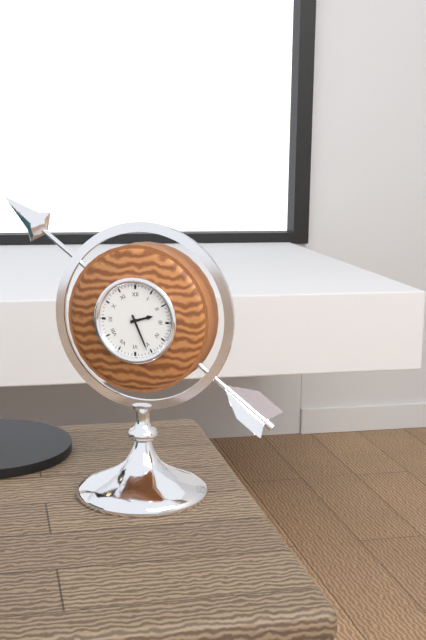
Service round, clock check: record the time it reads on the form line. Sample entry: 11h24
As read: 2h26
